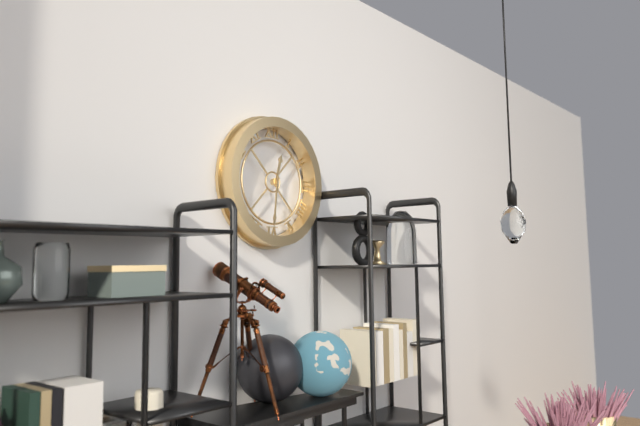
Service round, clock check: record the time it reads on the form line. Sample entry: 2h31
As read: 12h31
